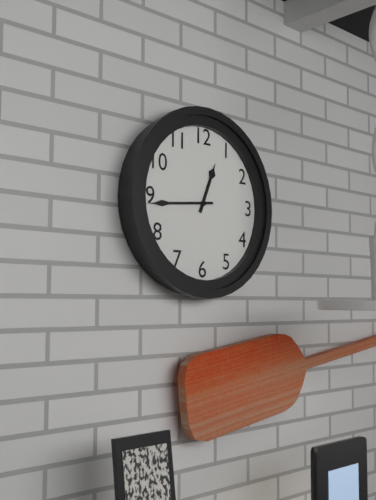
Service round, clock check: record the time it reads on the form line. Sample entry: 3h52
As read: 12h44
